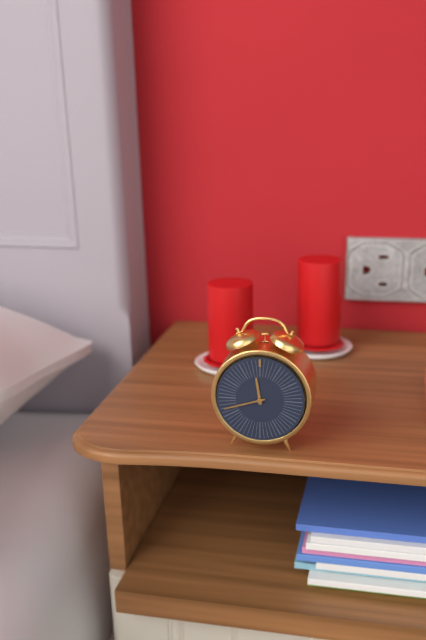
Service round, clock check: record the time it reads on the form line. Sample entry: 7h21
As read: 11h42
